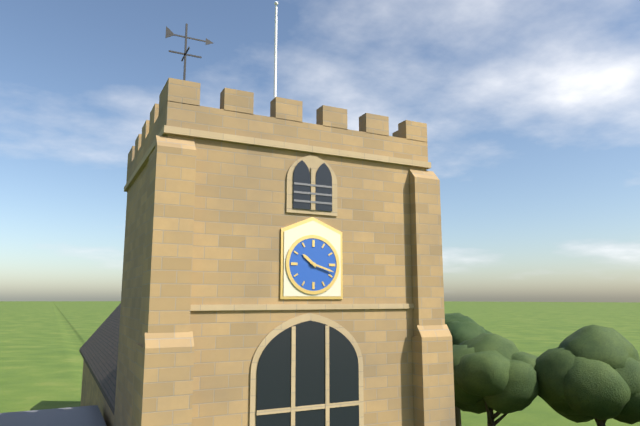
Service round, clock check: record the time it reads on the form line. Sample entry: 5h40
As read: 10h18
